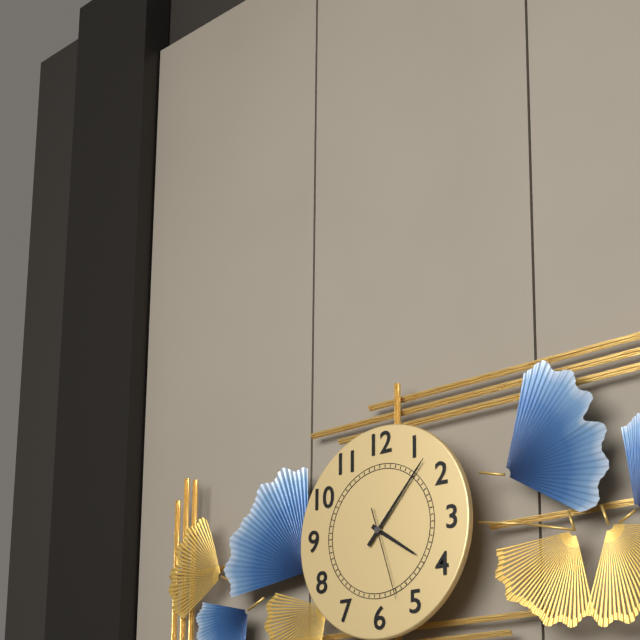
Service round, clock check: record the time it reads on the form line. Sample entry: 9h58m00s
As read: 4h07m27s
